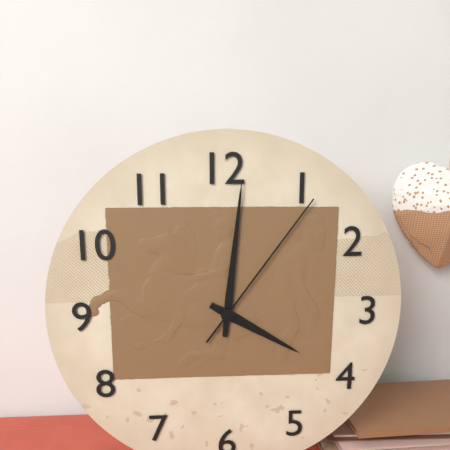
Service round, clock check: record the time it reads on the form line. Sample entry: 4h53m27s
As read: 4h01m06s
